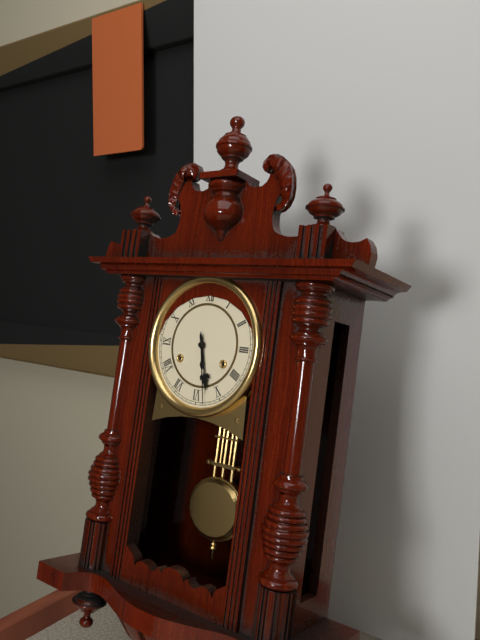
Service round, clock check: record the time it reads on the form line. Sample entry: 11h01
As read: 5h28
